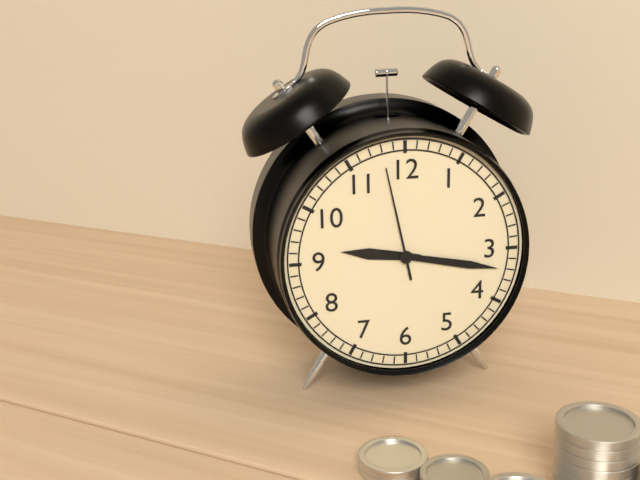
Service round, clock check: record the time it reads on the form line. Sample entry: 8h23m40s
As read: 9h17m58s
